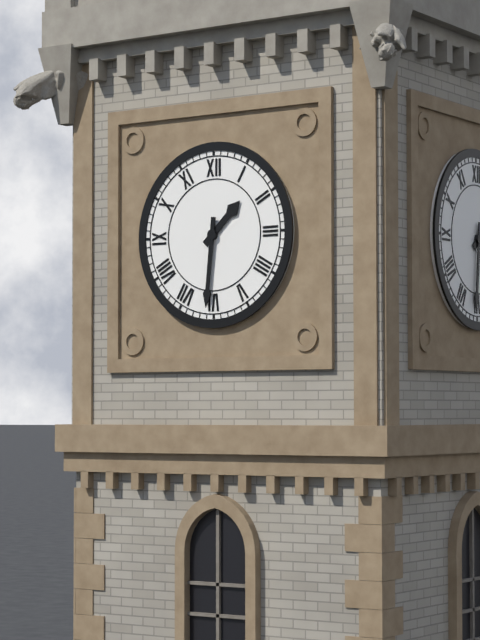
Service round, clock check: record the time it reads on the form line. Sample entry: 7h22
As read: 1h31
